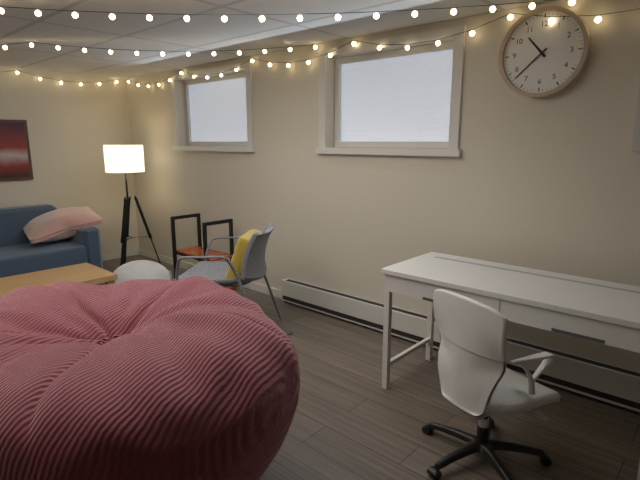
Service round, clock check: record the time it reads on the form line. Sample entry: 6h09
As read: 10h38
